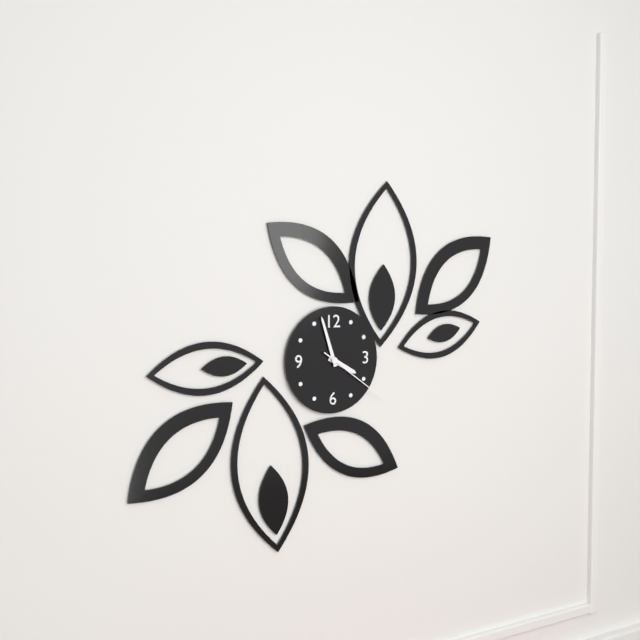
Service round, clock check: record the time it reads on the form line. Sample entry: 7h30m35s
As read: 3h57m21s
